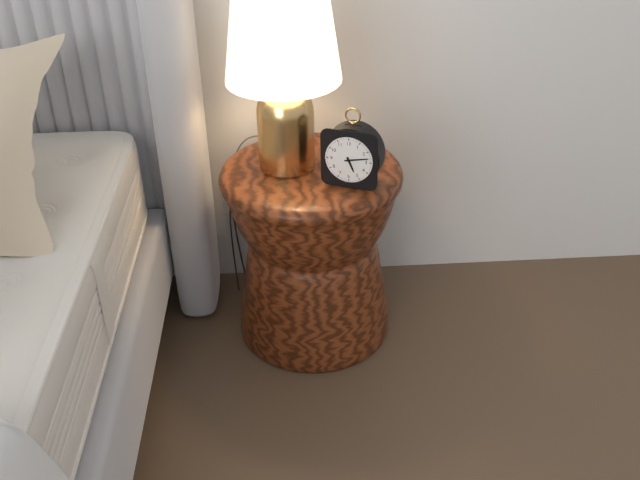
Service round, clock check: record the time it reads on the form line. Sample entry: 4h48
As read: 5h13
